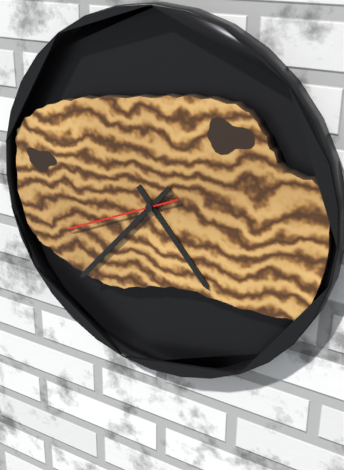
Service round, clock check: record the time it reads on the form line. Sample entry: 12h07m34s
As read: 4h37m41s
